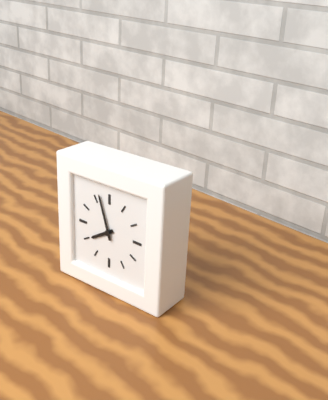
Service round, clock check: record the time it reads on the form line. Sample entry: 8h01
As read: 7h57
